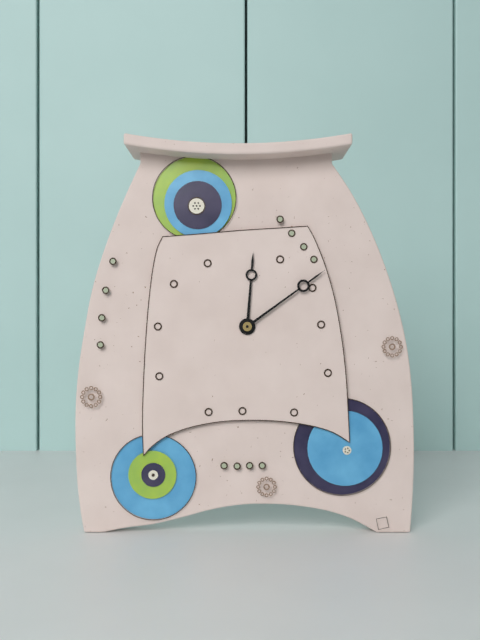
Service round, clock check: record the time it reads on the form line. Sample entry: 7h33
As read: 12h09
